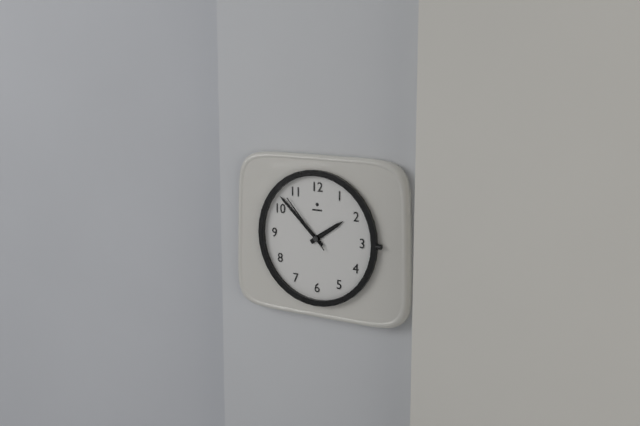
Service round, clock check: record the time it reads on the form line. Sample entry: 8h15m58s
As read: 1h52m53s
